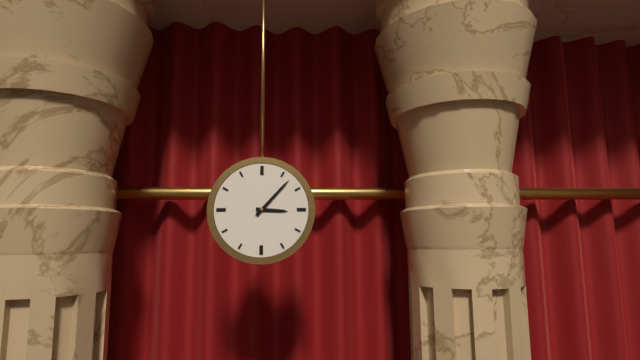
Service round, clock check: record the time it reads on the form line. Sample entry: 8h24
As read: 3h07
